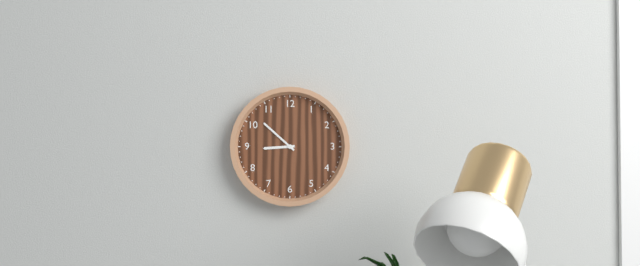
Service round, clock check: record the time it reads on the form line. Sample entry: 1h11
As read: 8h52
